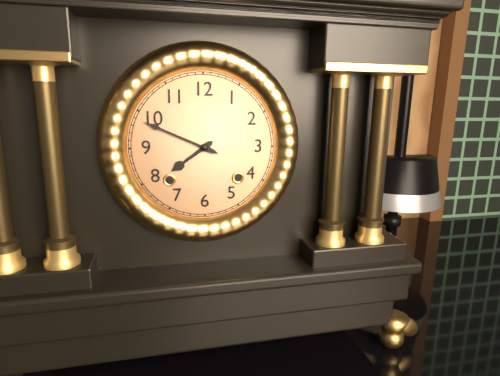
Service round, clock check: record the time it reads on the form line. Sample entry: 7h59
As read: 7h49
